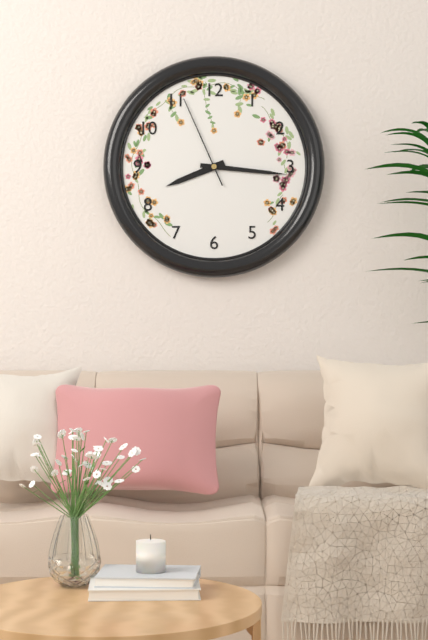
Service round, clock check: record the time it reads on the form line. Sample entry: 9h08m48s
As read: 8h16m56s
